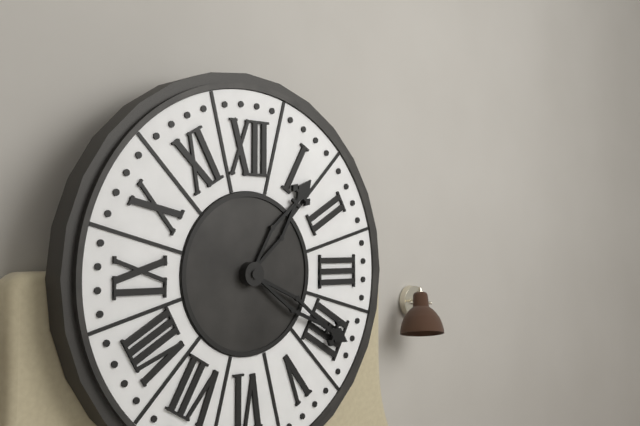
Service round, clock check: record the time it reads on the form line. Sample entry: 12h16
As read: 1h20
